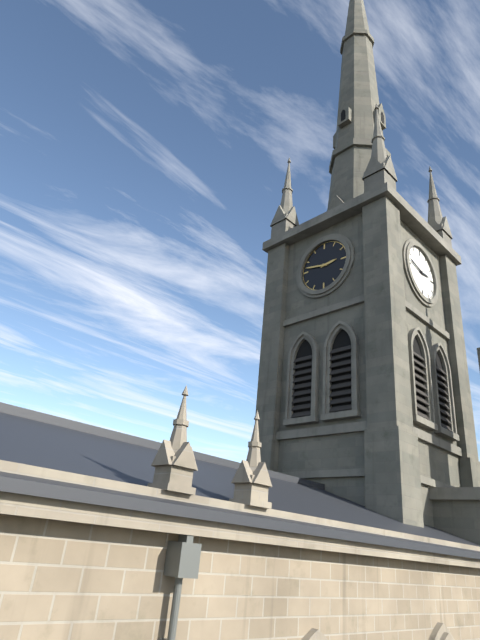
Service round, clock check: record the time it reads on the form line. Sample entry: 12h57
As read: 2h47
